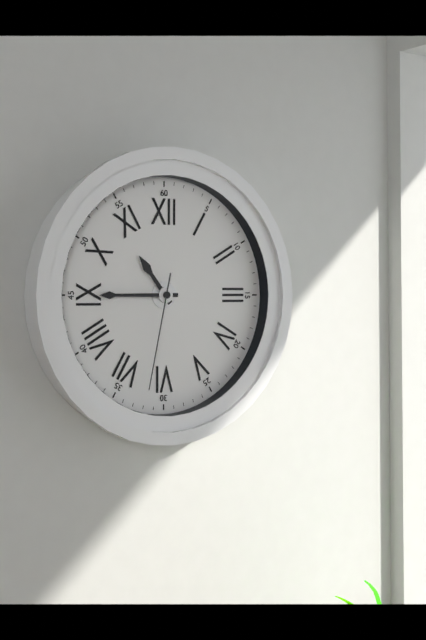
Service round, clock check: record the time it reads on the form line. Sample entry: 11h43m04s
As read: 10h45m32s
